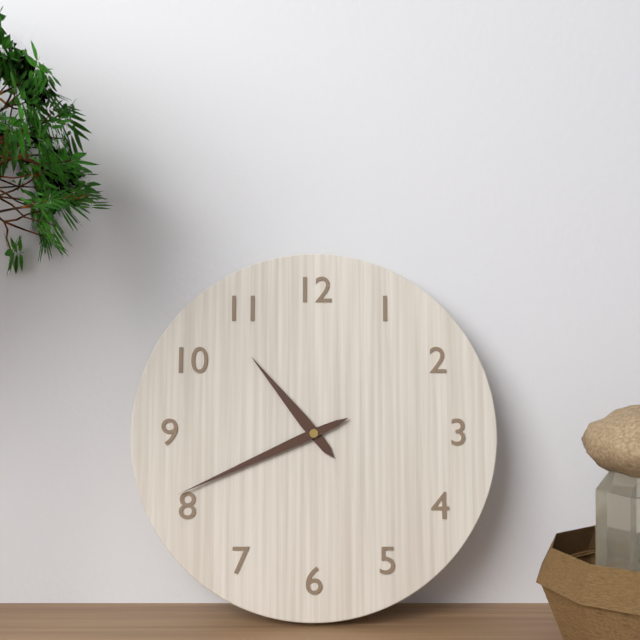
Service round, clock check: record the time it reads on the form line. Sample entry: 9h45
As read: 10h41
